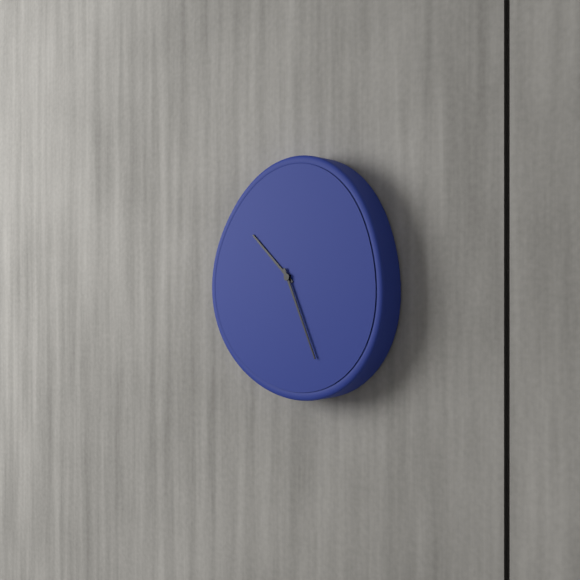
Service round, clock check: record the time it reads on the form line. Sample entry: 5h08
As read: 10h26
